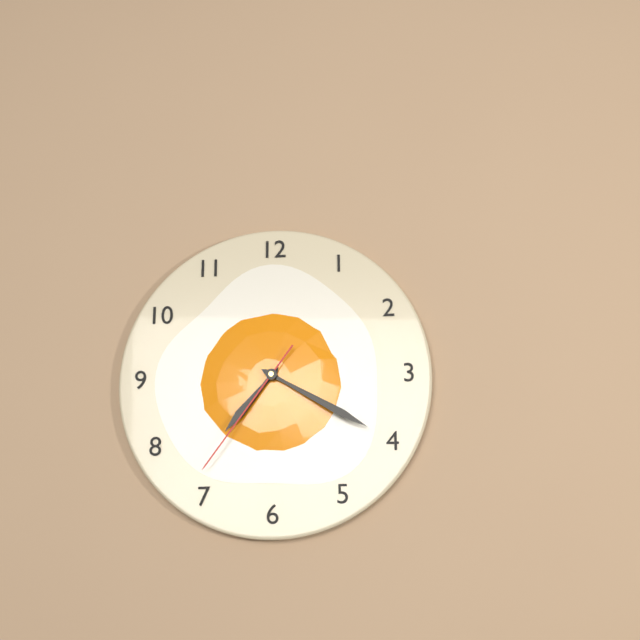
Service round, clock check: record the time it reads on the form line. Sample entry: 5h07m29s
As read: 7h20m36s
